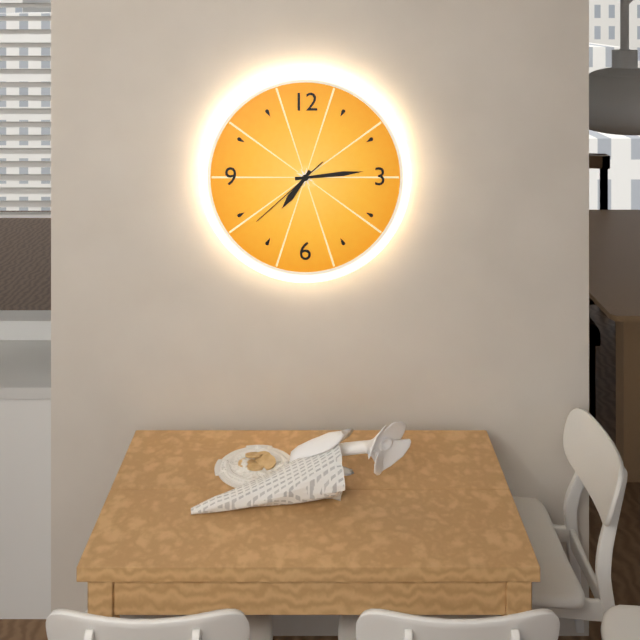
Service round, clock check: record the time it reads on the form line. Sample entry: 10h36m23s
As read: 7h14m38s
